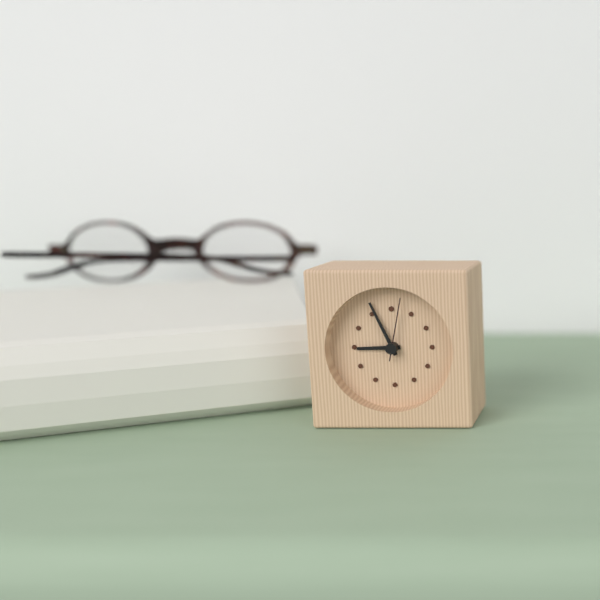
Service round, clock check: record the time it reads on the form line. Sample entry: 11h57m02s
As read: 8h56m02s
